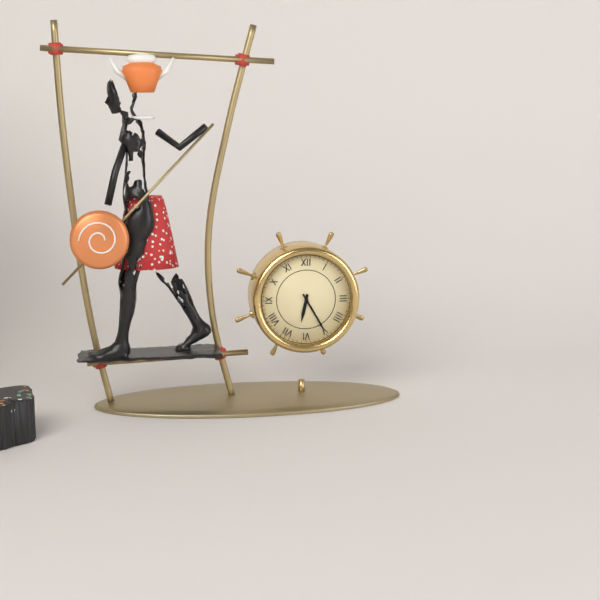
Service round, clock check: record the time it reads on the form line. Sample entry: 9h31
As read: 6h25
